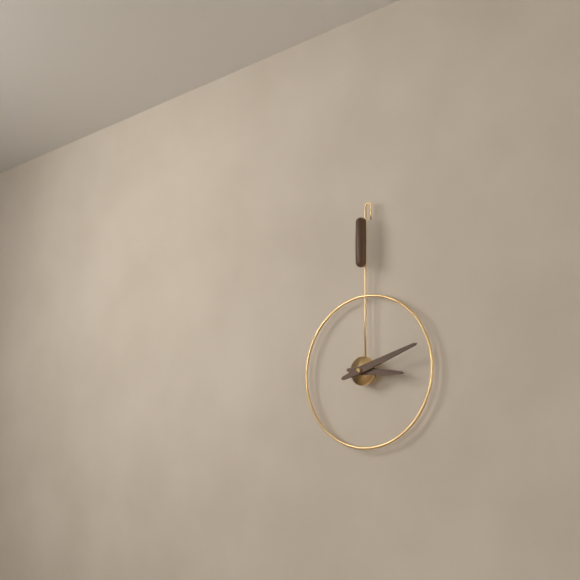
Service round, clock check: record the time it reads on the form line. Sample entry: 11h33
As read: 3h12
